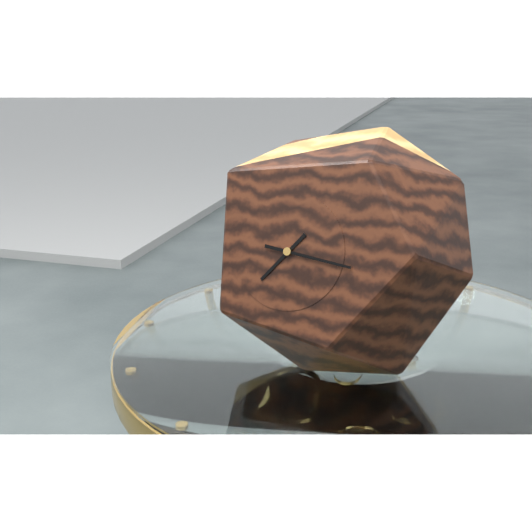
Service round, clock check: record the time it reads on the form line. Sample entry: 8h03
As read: 7h16
